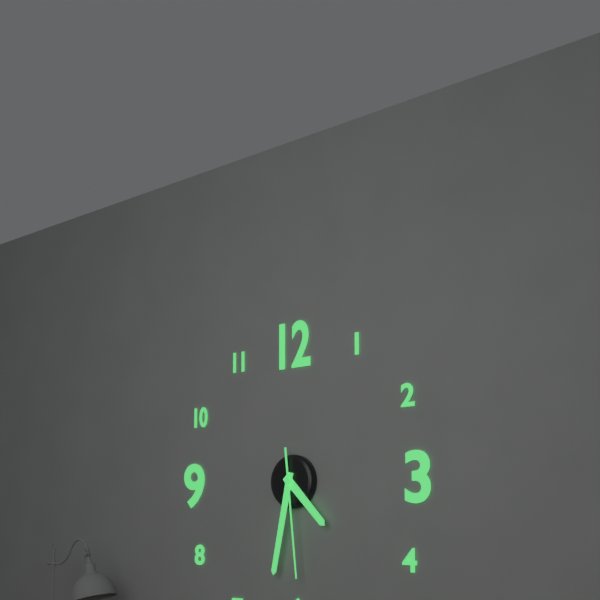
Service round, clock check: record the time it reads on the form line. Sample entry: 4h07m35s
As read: 4h32m29s
